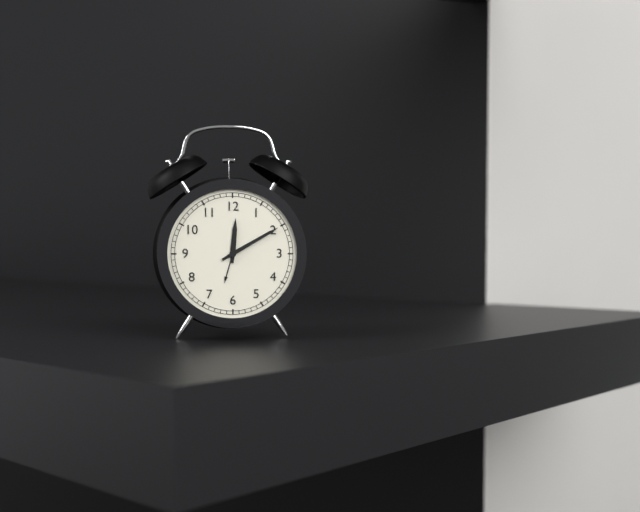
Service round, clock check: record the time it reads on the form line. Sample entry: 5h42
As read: 12h10
